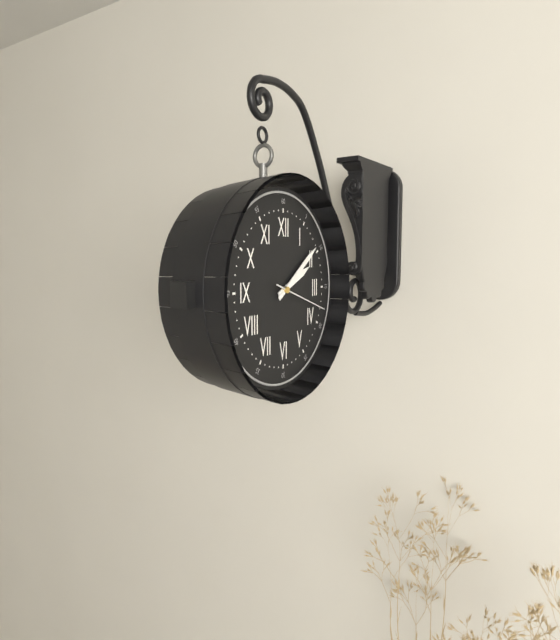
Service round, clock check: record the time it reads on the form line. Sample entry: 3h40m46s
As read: 2h09m18s
